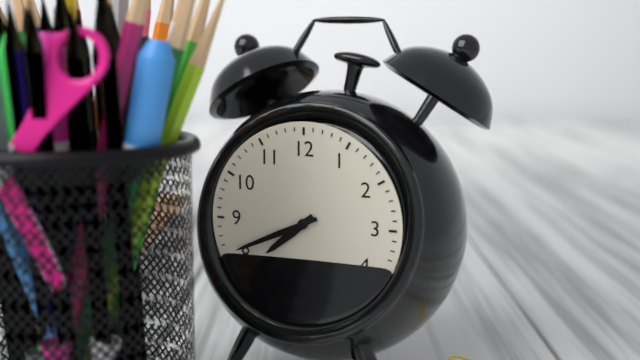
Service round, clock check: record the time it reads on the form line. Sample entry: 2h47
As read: 7h41
